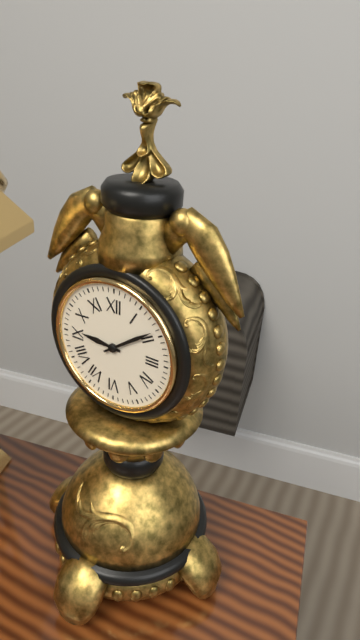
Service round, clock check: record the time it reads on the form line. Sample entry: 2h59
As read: 9h09
